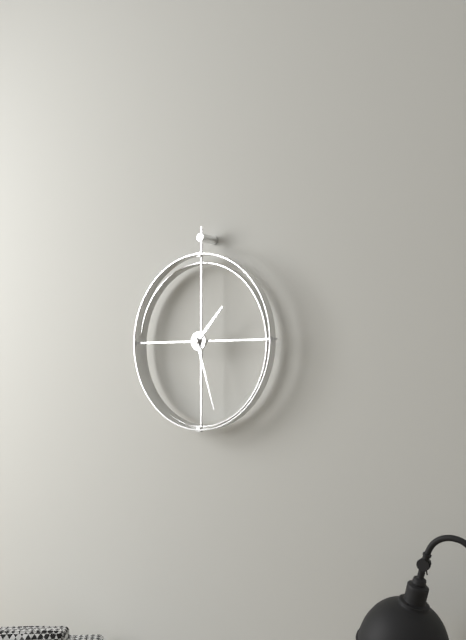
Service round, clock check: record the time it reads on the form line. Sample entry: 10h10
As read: 1h27
